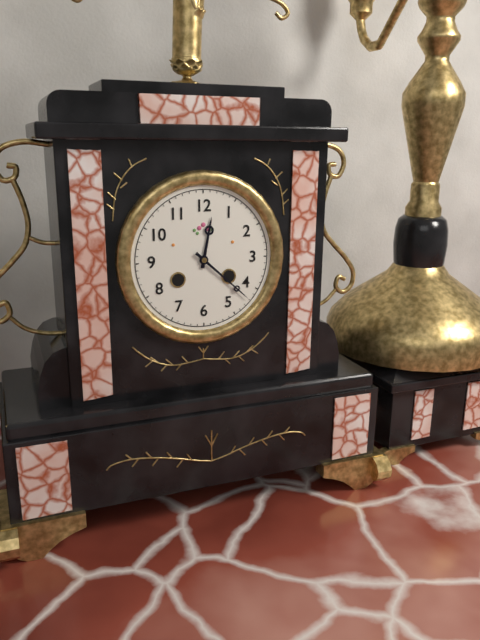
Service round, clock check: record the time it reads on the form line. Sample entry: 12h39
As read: 12h22
